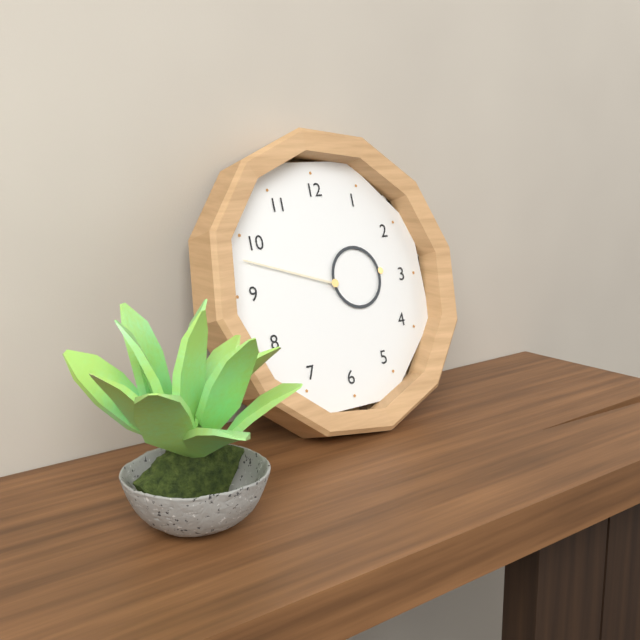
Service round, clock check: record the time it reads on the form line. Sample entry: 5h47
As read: 2h48
